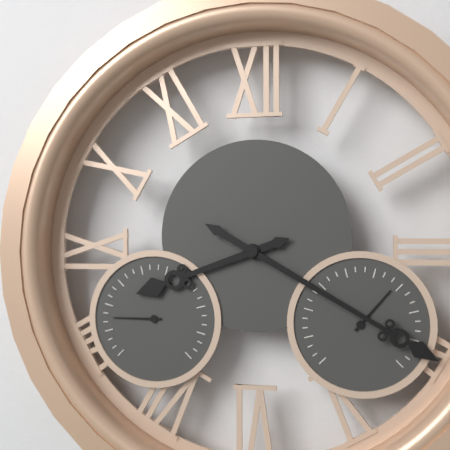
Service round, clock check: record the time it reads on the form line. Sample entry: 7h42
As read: 8h20
